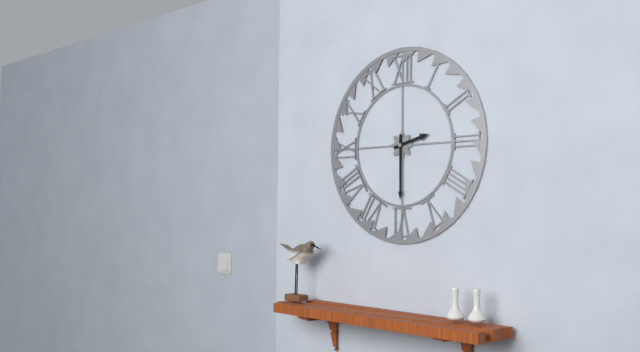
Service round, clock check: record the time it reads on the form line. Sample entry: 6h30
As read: 2h30
